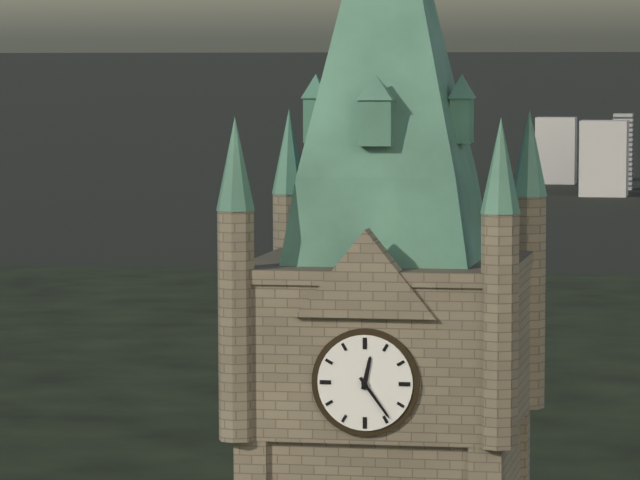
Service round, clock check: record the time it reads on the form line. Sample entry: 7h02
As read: 12h24
